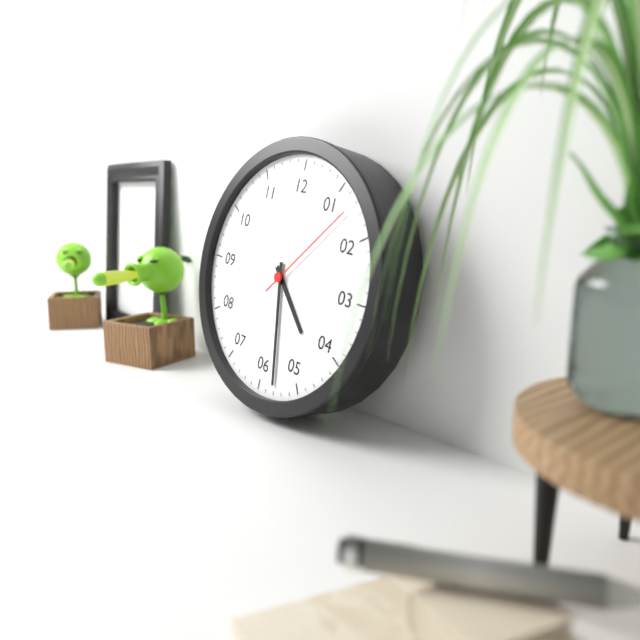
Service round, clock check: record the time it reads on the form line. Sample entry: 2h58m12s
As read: 4h28m07s
